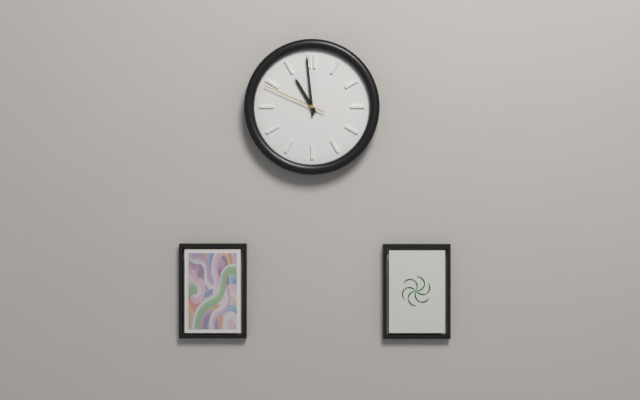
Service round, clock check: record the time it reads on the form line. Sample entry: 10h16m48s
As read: 10h59m49s
